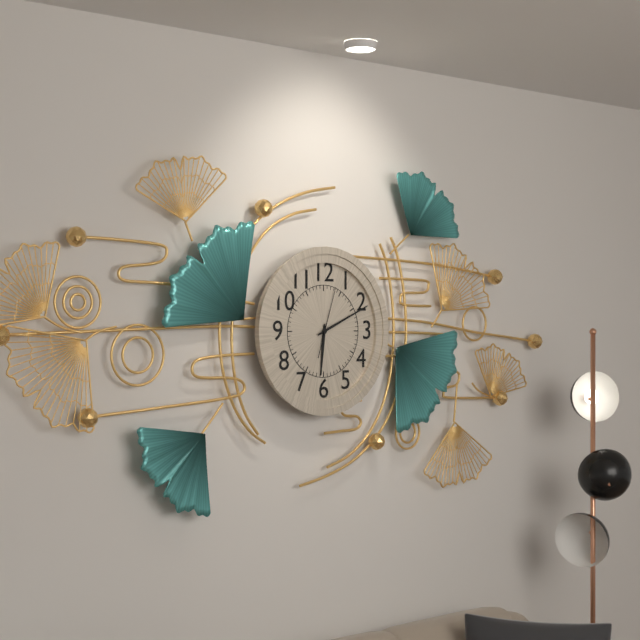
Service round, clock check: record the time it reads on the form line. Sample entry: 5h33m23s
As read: 6h11m03s
